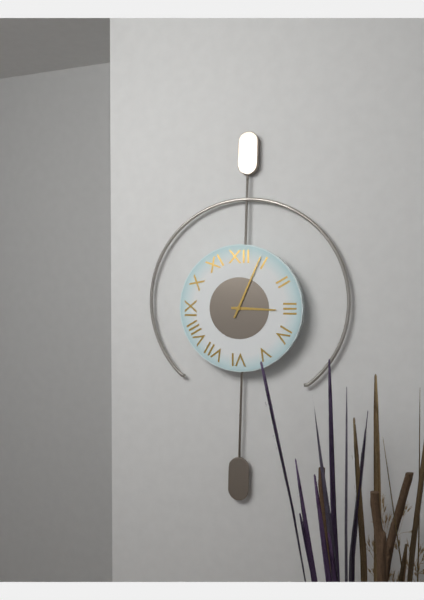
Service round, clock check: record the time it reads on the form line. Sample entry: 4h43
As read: 3h04
